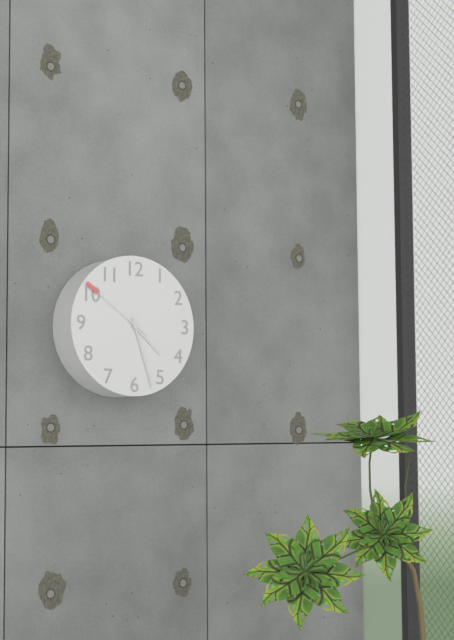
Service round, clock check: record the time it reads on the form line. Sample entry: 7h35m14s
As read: 4h27m51s
